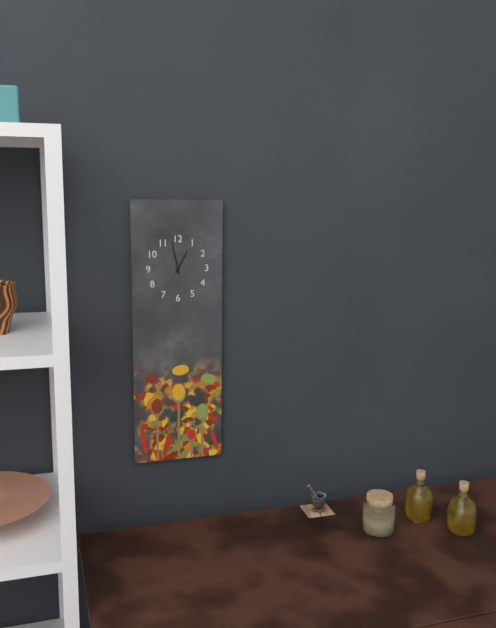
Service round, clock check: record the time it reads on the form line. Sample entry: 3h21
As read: 12h58
